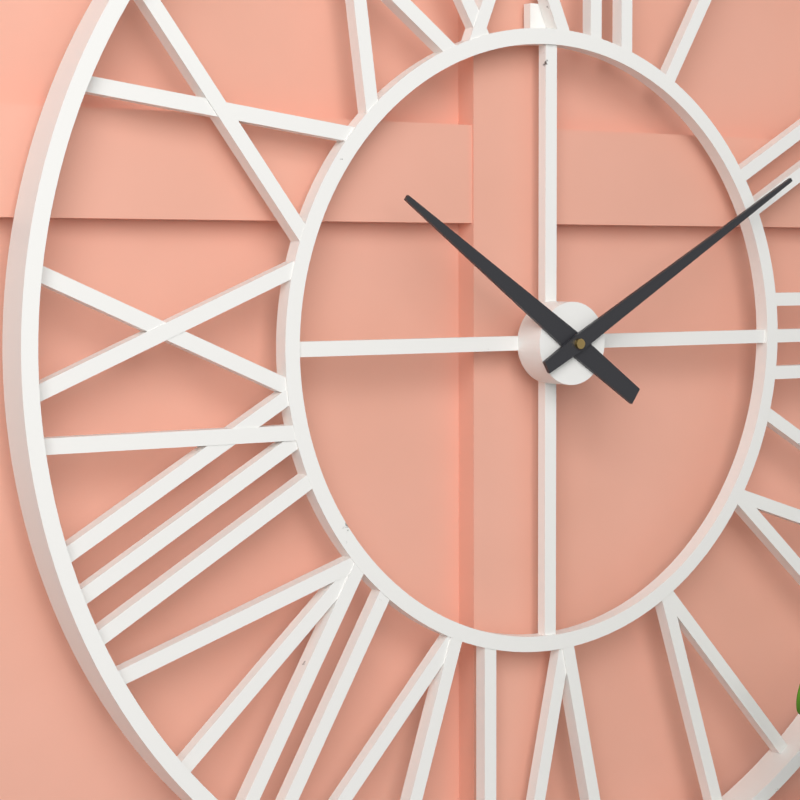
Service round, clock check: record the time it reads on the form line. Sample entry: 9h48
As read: 10h10
